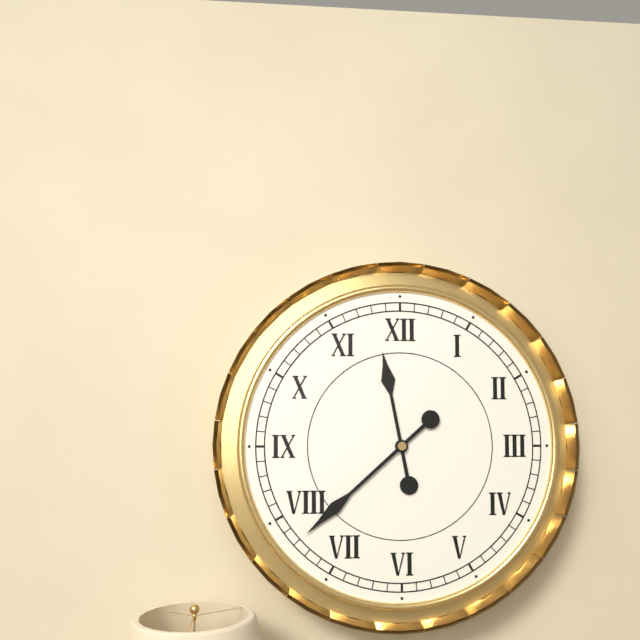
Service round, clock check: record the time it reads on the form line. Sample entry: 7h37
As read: 11h38
